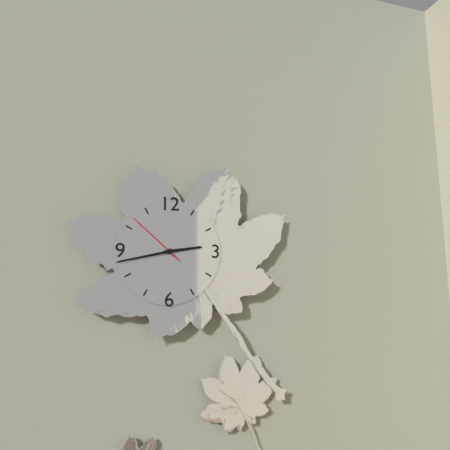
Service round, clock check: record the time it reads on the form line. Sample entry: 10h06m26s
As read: 2h43m52s
